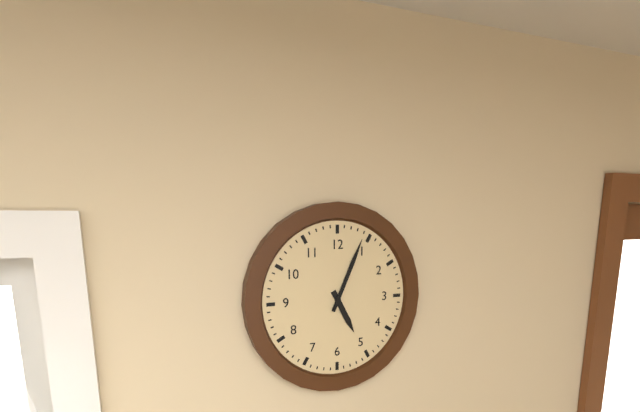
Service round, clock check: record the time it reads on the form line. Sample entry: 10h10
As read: 5h04
